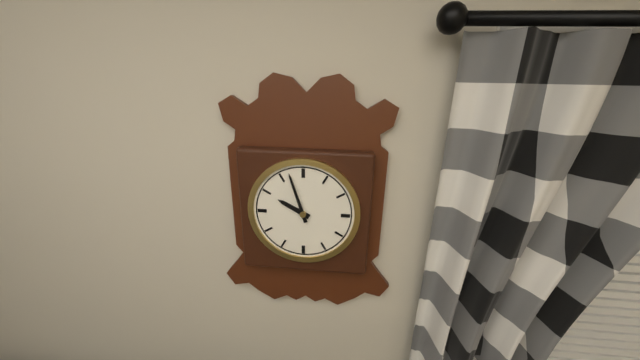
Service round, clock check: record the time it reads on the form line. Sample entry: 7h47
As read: 9h57
